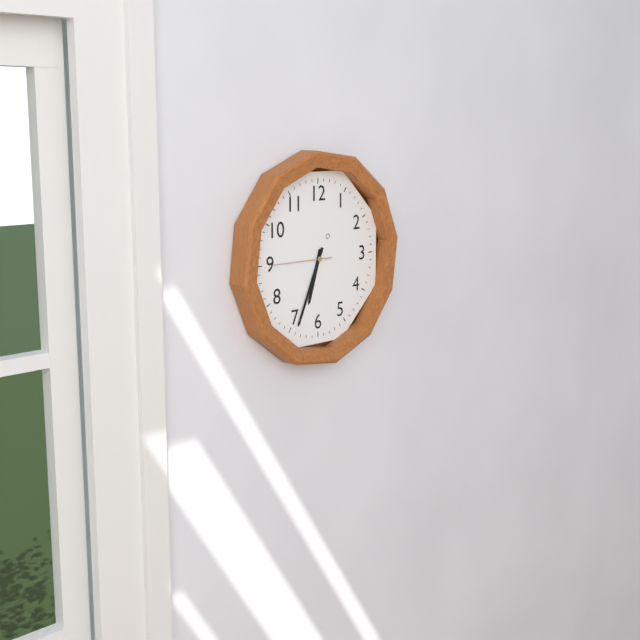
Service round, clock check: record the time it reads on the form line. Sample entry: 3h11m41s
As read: 6h34m45s
